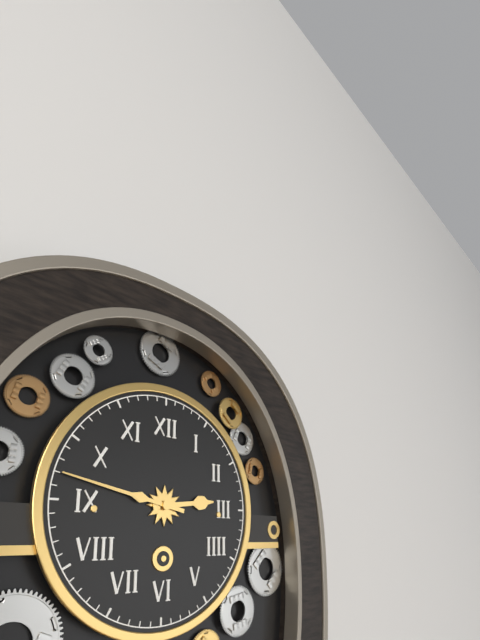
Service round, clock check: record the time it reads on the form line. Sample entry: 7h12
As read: 2h47
